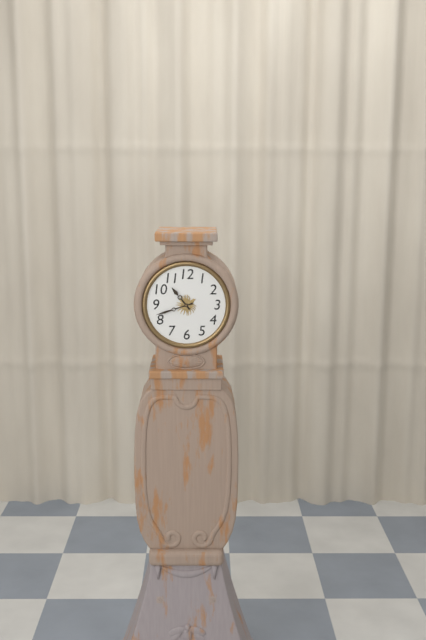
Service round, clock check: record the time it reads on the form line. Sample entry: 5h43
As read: 10h42
